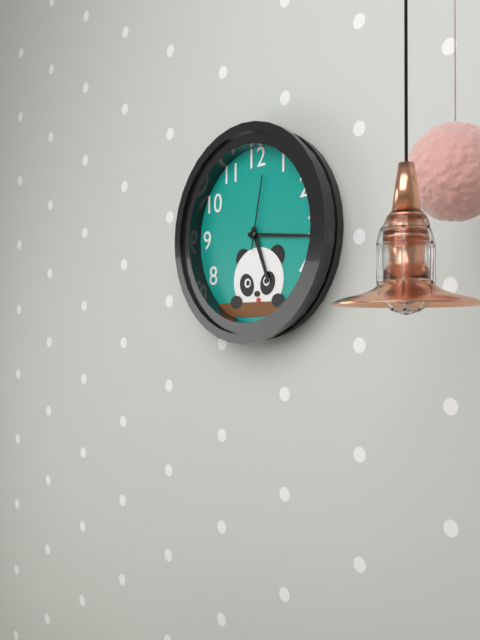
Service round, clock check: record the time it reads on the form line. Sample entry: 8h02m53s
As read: 5h16m02s
